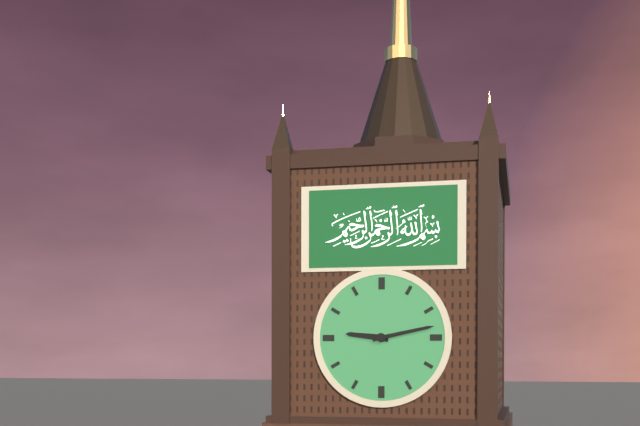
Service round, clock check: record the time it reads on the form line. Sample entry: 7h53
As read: 9h13
